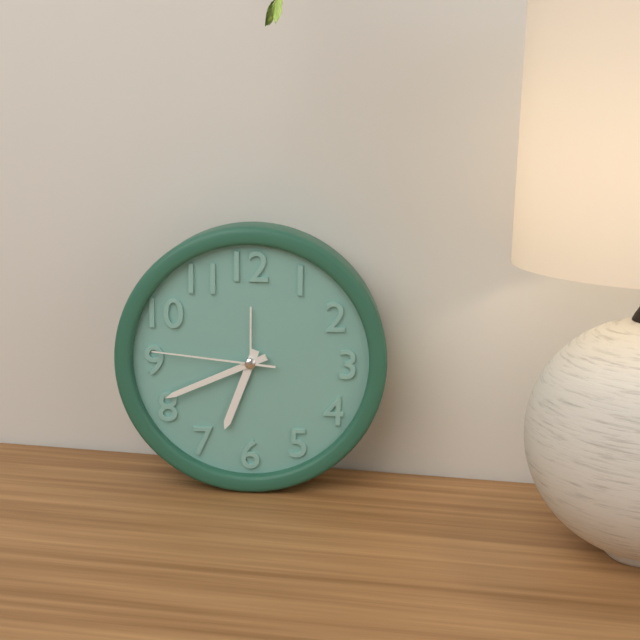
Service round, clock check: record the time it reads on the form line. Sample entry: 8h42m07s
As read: 6h41m46s
